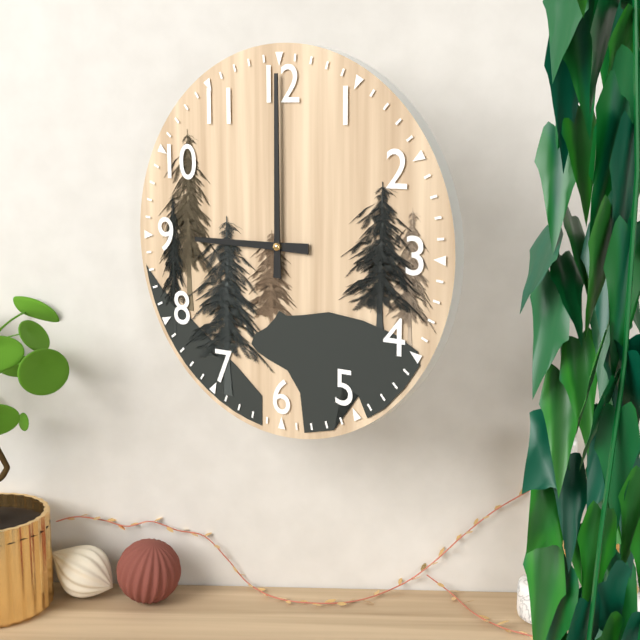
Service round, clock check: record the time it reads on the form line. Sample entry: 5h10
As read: 9h00
